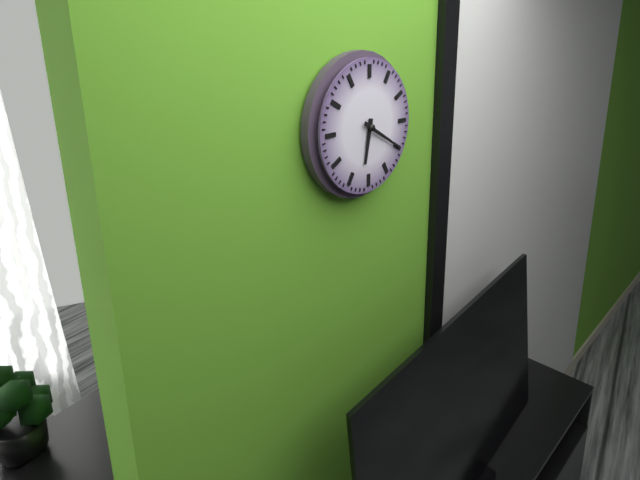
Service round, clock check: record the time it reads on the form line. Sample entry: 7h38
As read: 6h20
